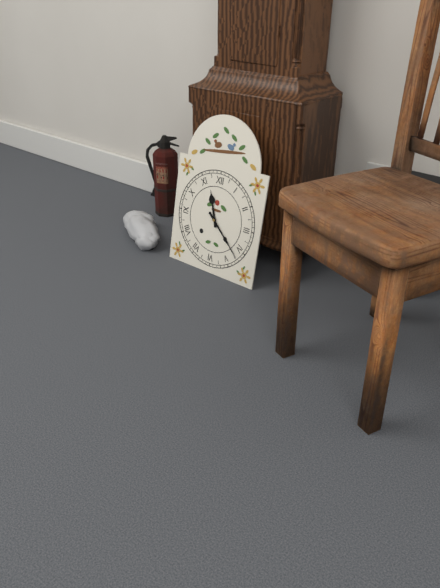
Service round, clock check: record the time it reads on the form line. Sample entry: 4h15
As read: 11h22
